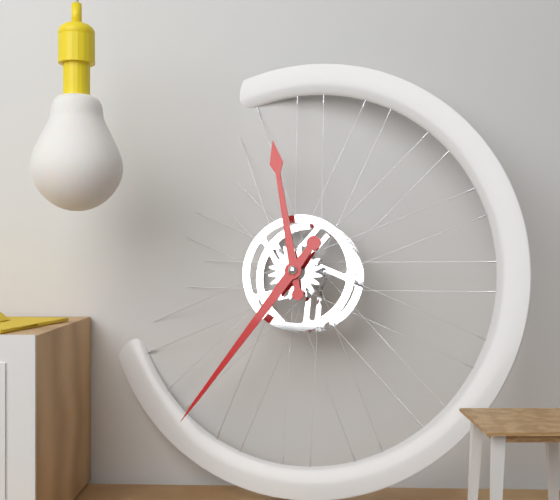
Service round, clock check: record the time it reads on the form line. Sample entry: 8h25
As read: 11h36
